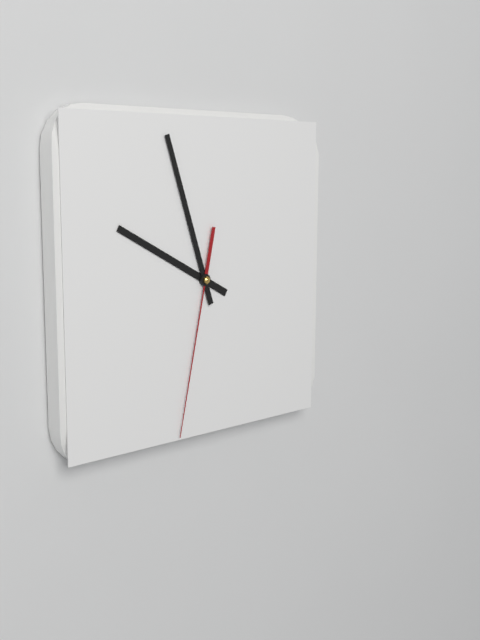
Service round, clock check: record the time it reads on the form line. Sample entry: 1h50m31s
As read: 9h57m32s
